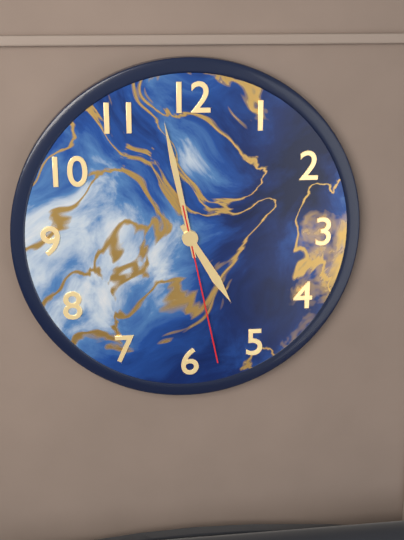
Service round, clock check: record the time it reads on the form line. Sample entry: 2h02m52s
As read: 4h58m28s
